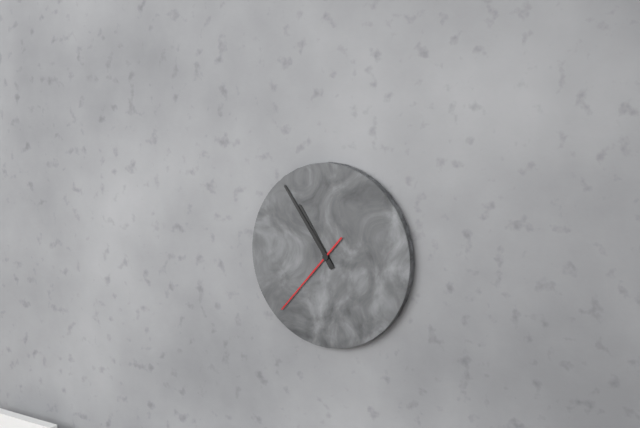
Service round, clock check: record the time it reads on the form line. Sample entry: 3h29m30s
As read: 10h54m37s
